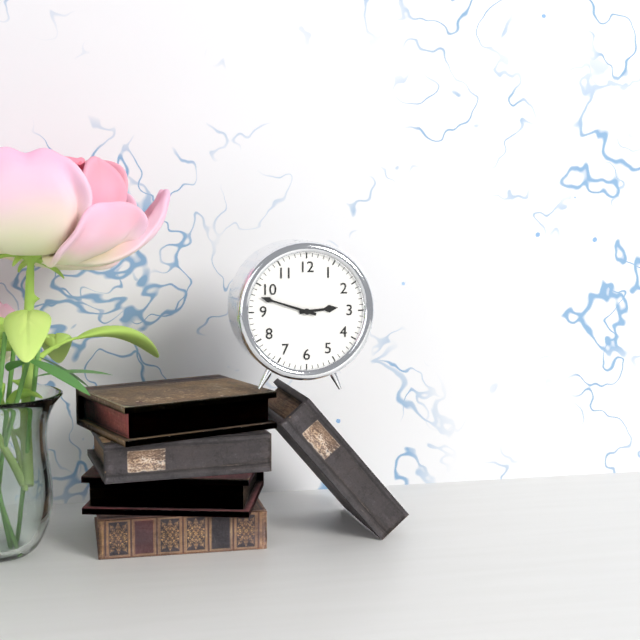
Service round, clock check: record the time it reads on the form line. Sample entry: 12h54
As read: 2h48
